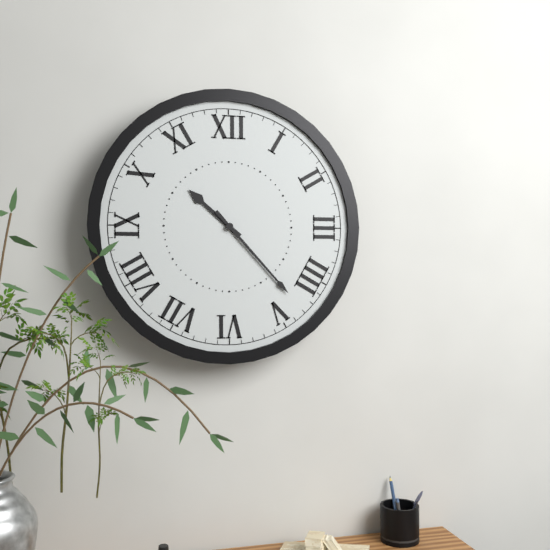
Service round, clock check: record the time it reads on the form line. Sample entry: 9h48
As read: 10h23
